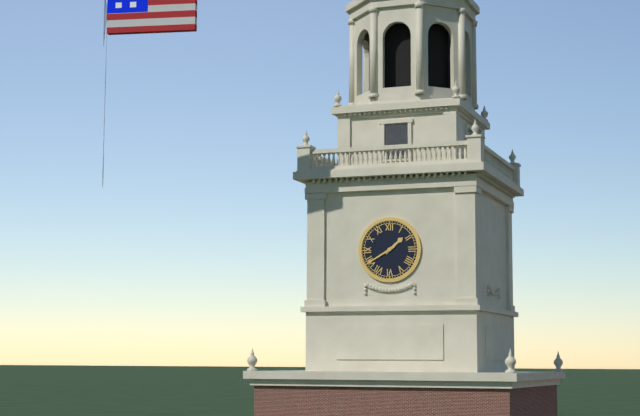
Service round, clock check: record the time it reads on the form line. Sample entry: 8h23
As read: 1h40
